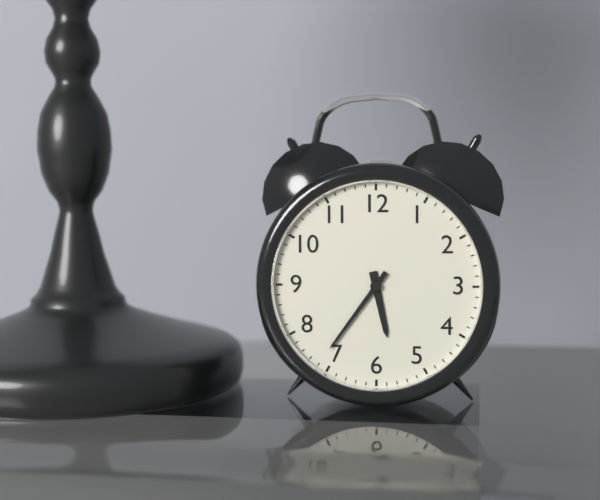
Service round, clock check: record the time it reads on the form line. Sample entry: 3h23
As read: 5h36
